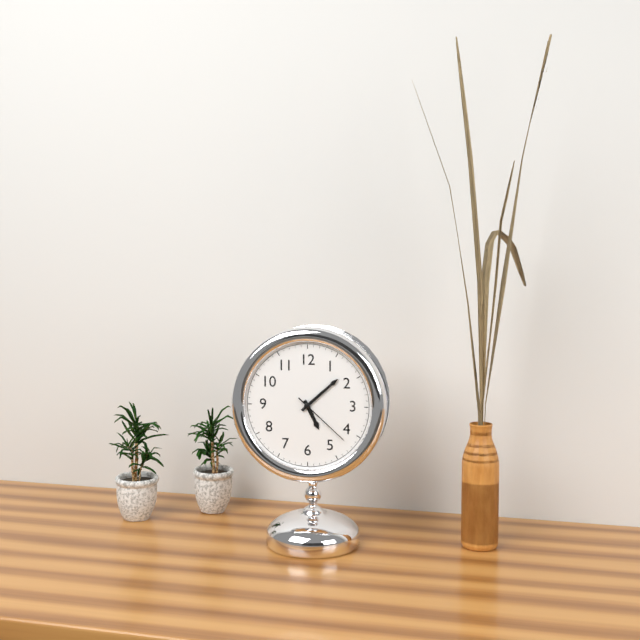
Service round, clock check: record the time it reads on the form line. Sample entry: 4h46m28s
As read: 5h08m22s
